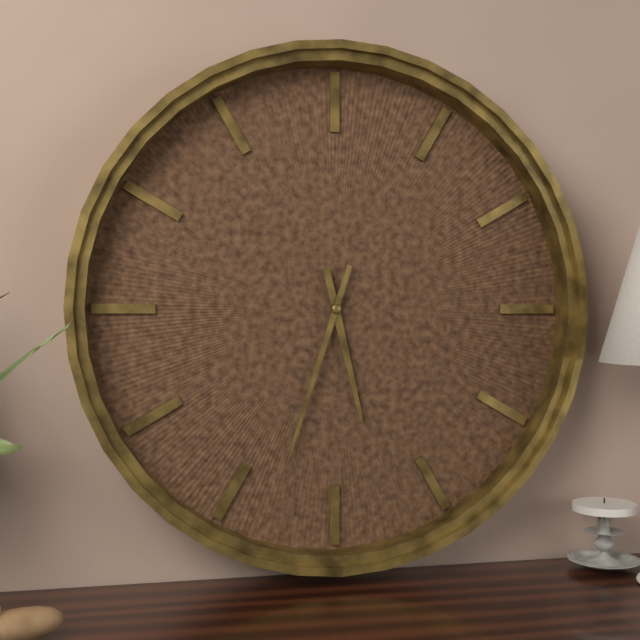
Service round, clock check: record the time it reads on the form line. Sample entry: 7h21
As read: 5h33
